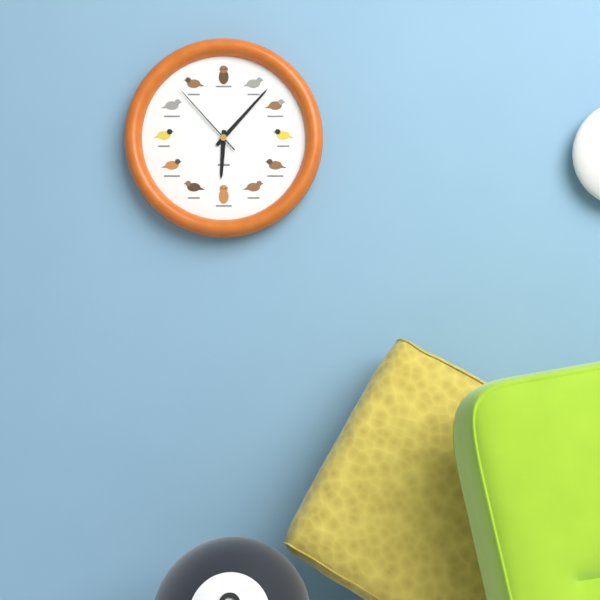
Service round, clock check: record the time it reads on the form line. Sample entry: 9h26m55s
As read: 6h07m53s
